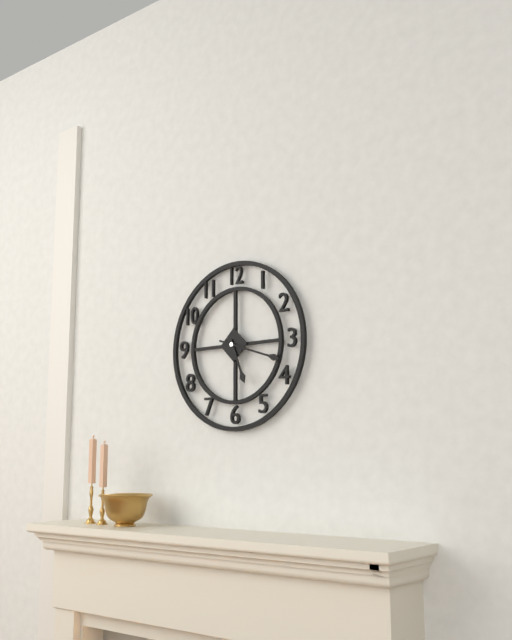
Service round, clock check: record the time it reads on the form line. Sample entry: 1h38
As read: 5h18
